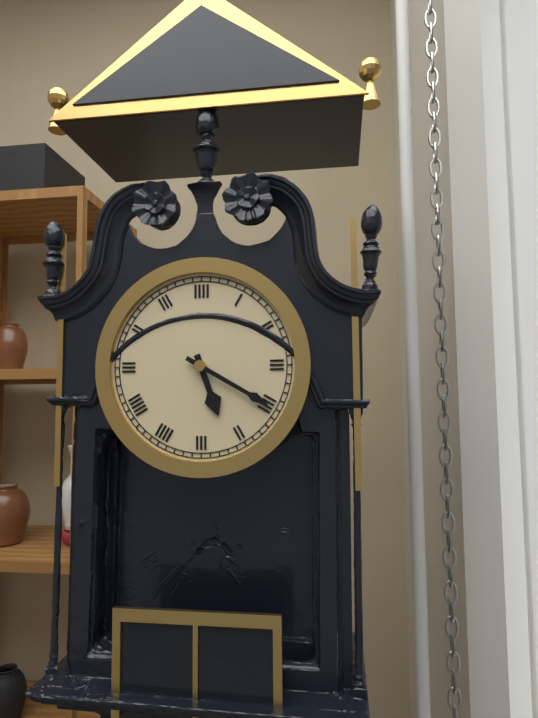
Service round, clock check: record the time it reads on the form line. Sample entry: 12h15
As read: 5h20
